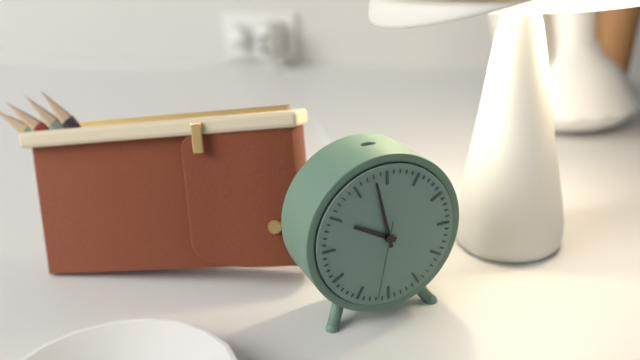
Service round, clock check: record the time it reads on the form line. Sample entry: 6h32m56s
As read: 9h58m32s
